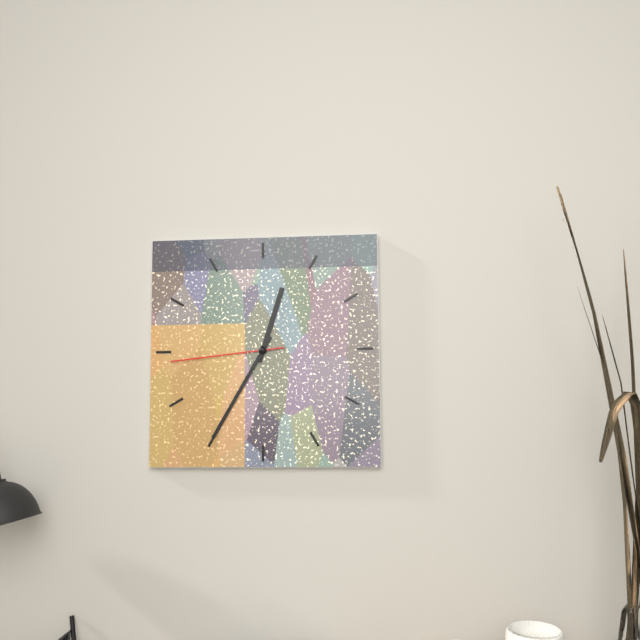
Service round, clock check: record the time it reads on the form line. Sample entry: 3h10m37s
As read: 12h35m44s
